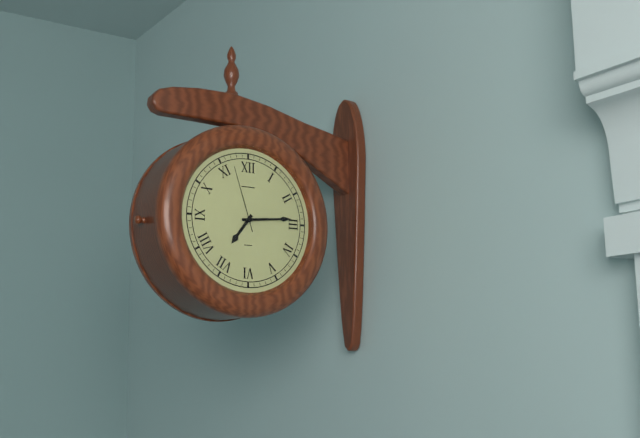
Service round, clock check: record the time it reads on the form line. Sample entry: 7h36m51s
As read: 7h14m57s
